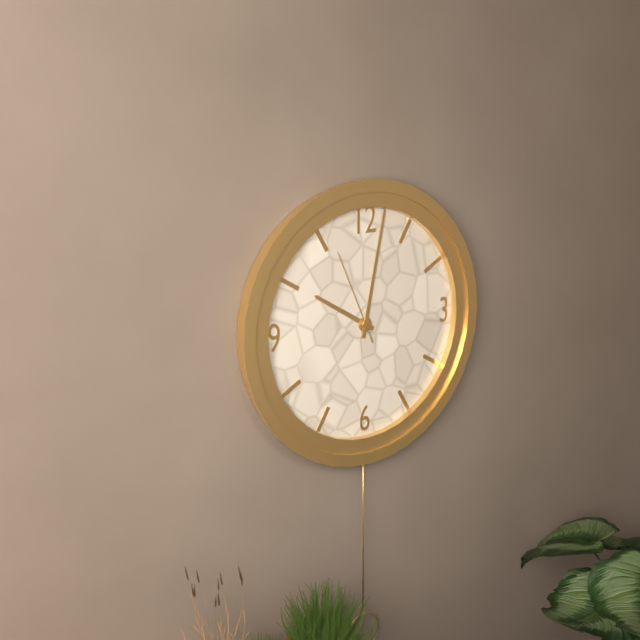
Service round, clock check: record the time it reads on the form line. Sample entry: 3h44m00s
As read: 10h02m56s
